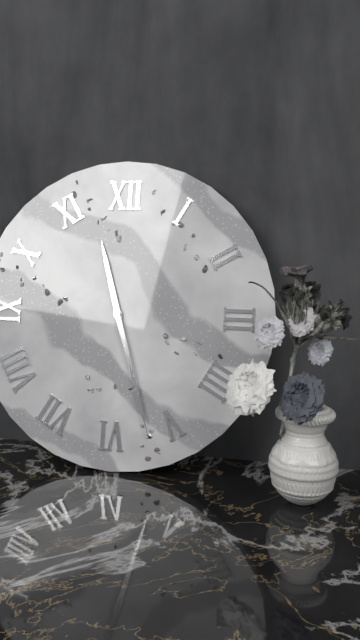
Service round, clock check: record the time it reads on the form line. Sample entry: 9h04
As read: 11h27
